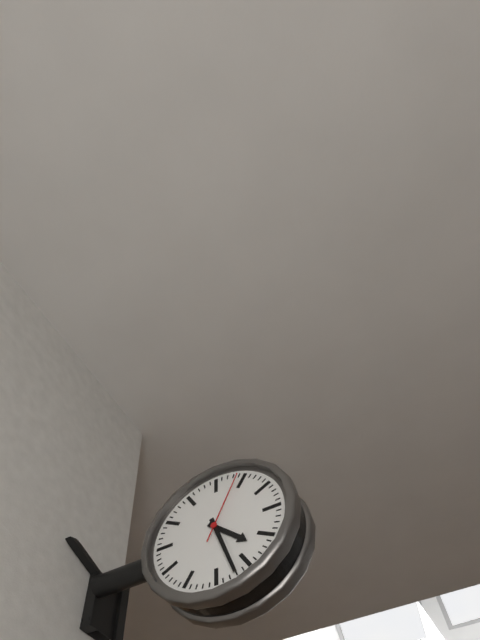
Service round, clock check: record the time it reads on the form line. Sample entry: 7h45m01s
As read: 4h27m04s
